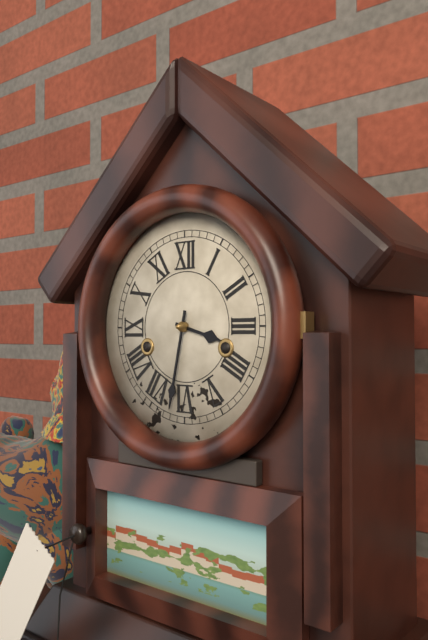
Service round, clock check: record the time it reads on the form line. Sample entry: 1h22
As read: 3h32
